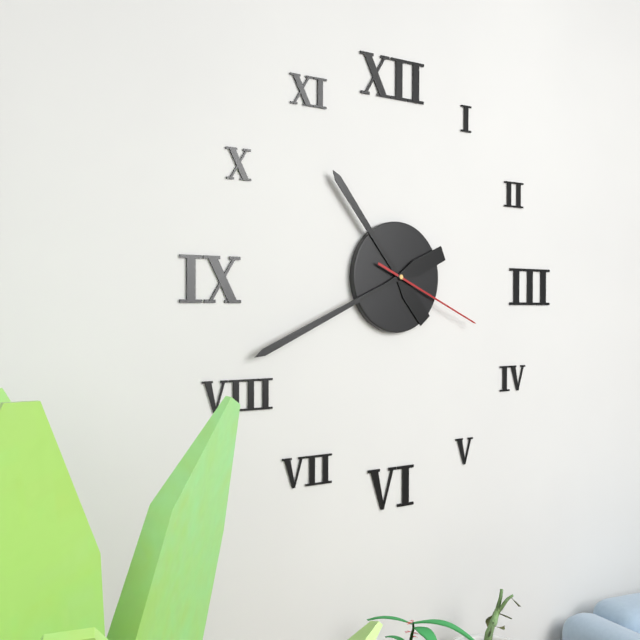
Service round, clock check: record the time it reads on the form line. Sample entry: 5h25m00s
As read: 10h41m19s
